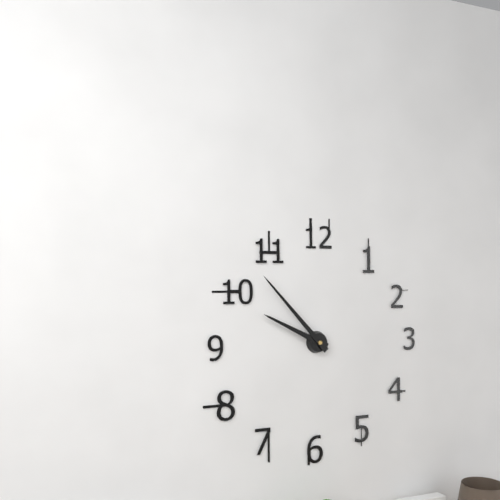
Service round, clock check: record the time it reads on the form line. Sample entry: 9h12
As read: 9h53
